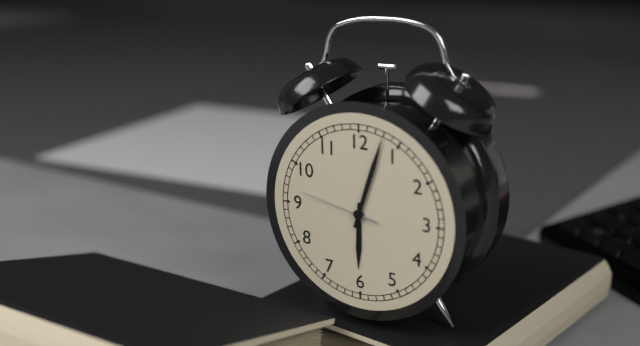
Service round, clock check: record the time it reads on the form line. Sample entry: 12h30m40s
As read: 6h03m47s
